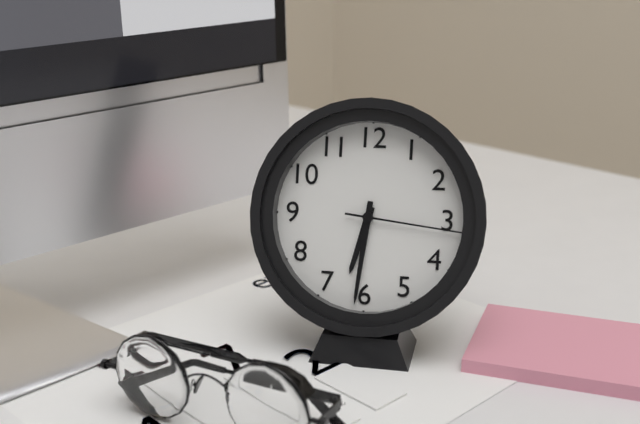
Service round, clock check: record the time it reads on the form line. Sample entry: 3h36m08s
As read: 6h31m16s
